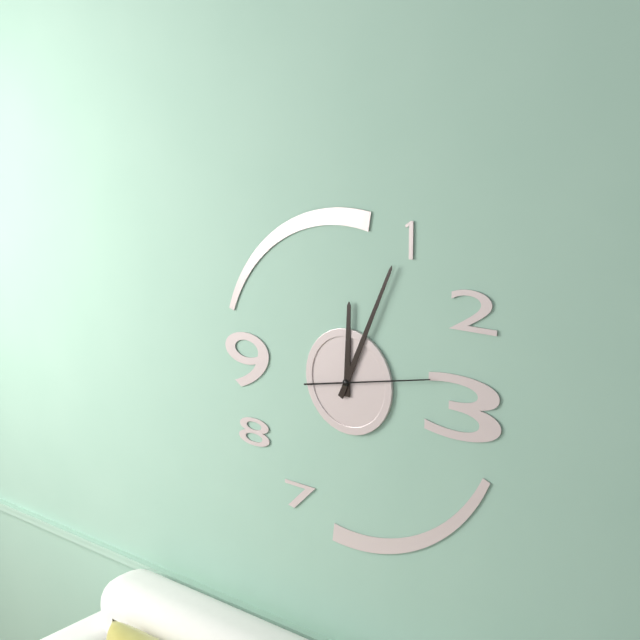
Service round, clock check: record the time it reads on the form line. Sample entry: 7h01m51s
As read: 12h04m13s
